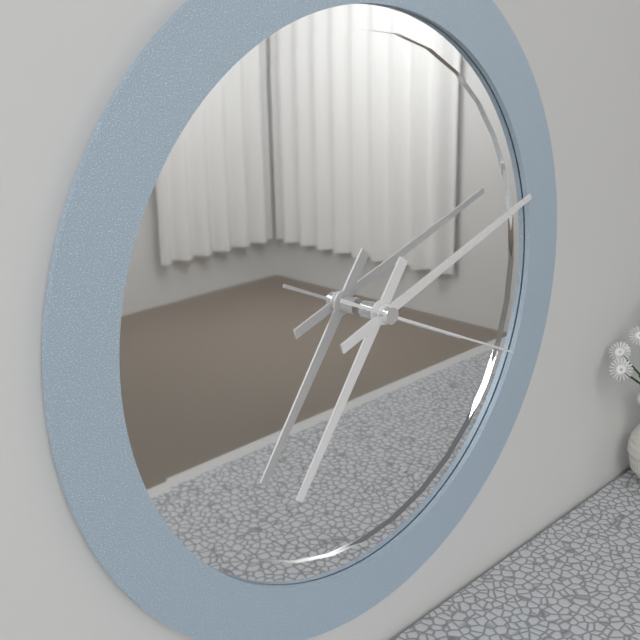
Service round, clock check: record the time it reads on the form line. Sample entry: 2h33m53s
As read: 7h12m19s
